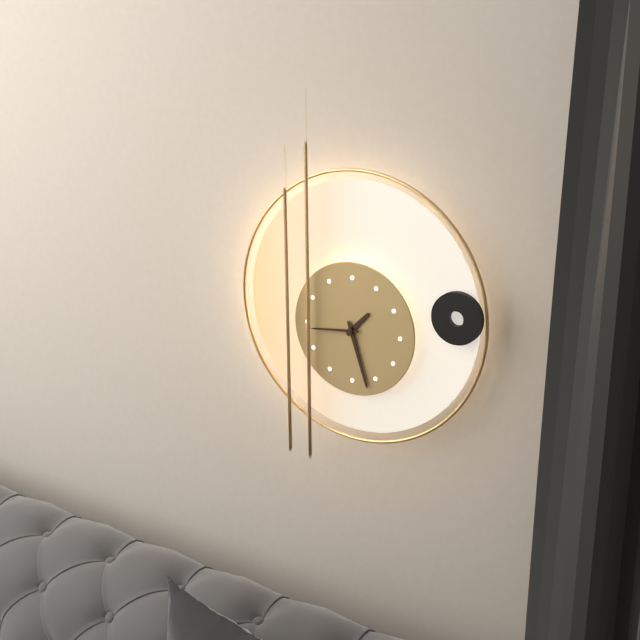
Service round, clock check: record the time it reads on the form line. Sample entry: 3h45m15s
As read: 1h27m44s
